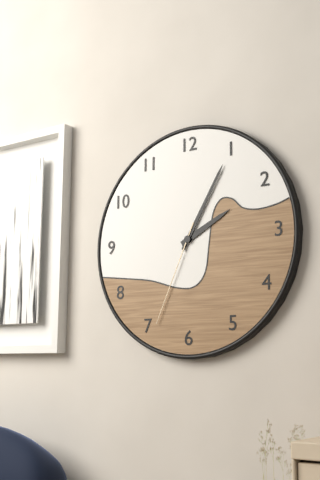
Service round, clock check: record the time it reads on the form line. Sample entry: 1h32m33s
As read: 2h05m34s
